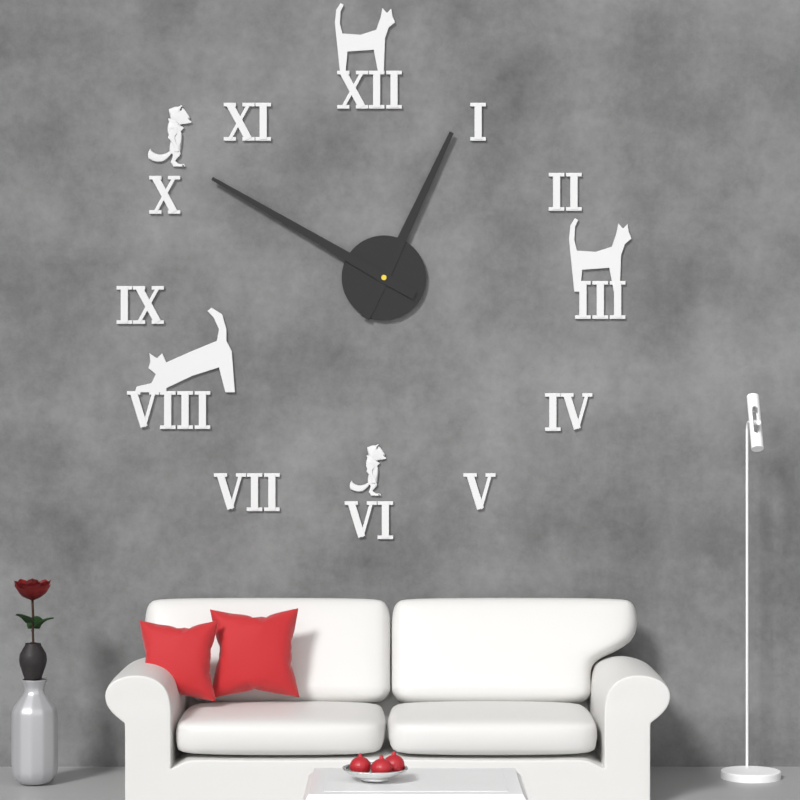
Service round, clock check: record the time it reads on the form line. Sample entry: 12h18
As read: 12h50
